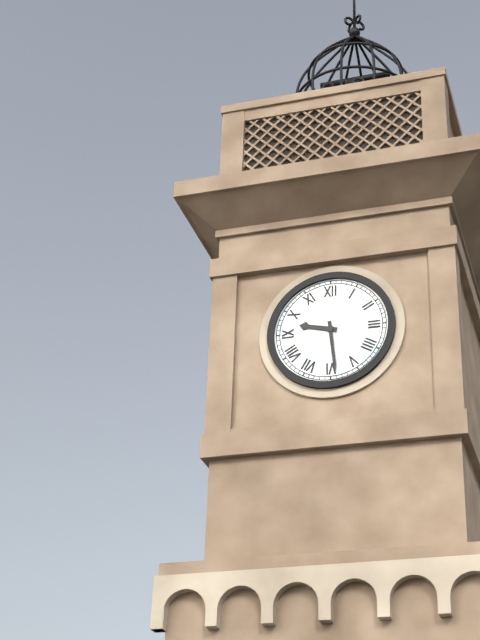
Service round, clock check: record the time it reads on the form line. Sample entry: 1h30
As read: 9h29
